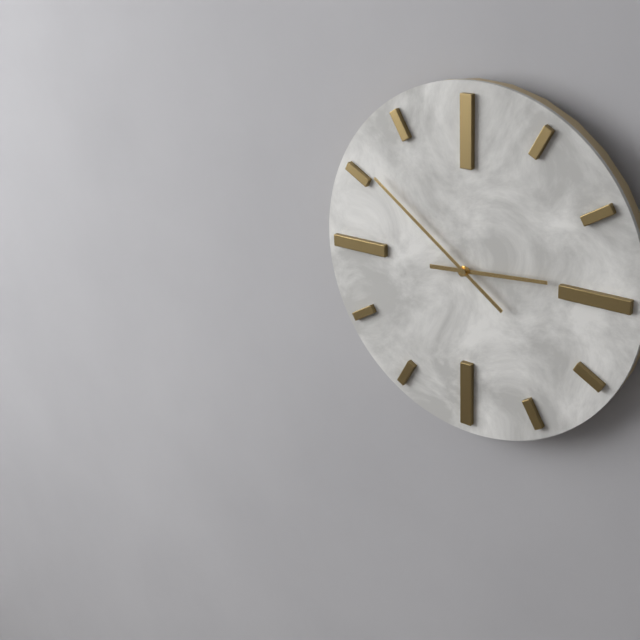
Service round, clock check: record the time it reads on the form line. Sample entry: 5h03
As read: 2h51
